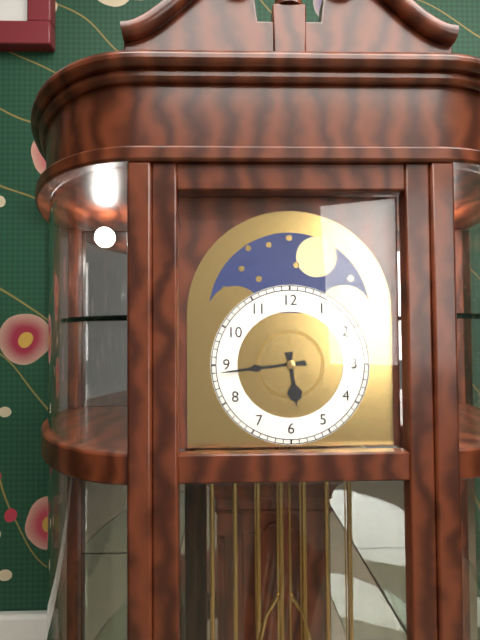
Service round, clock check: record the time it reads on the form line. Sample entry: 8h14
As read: 5h44
